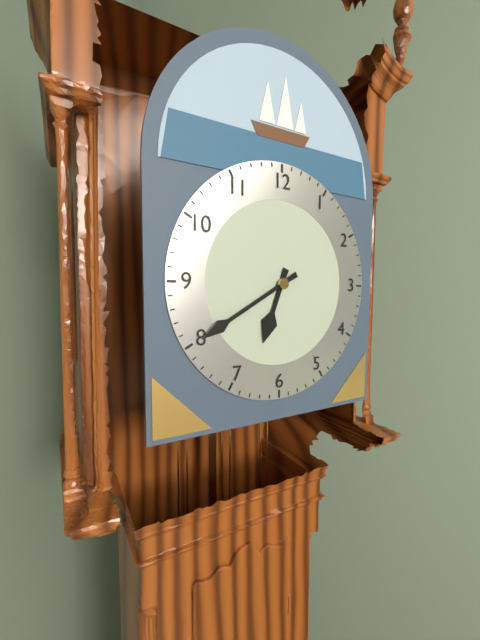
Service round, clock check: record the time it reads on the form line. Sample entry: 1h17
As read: 6h40
